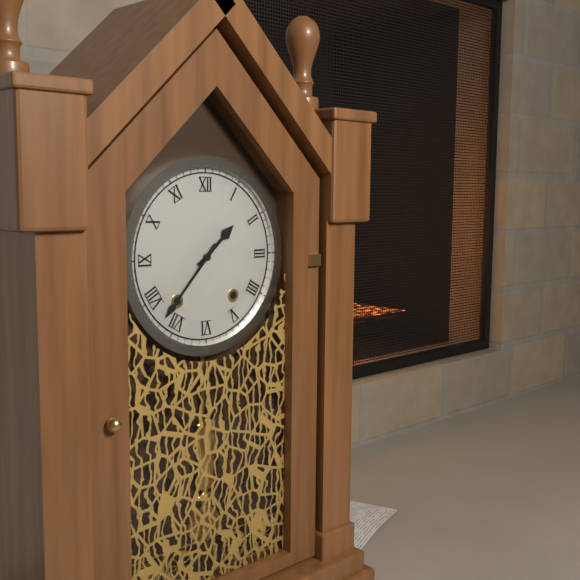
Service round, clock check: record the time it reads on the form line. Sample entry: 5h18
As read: 1h37
